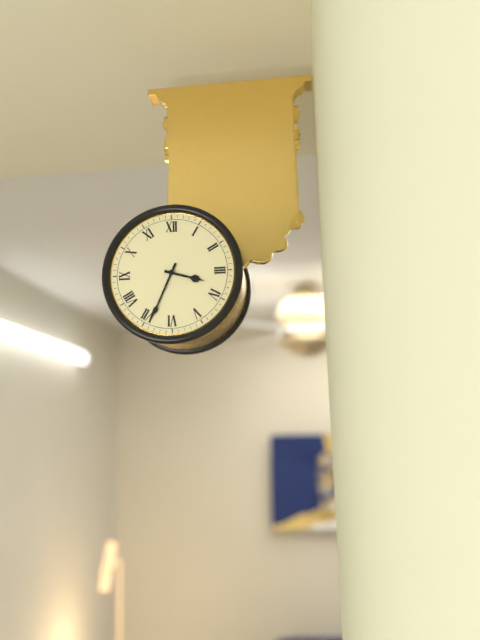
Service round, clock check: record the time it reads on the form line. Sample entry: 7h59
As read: 3h34
